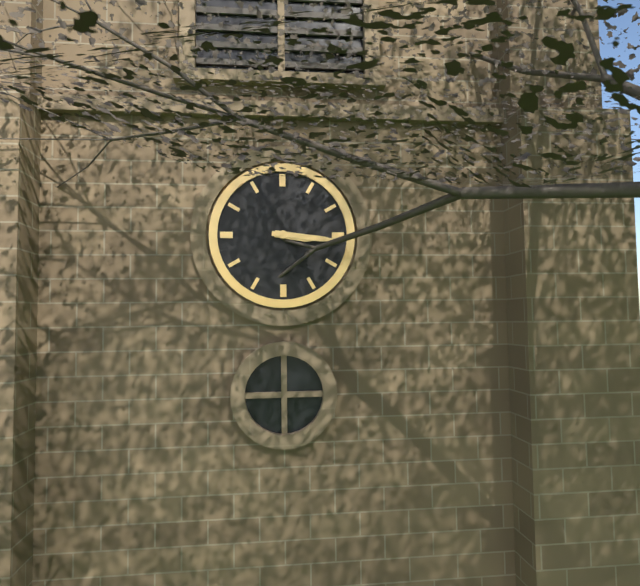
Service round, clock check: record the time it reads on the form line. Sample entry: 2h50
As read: 3h16
